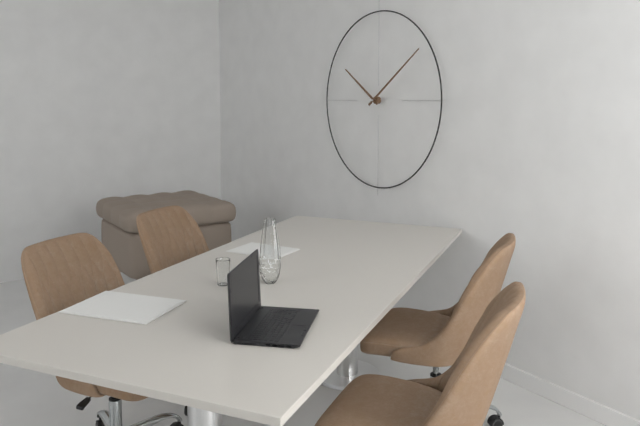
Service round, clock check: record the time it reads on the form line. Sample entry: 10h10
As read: 10h09
